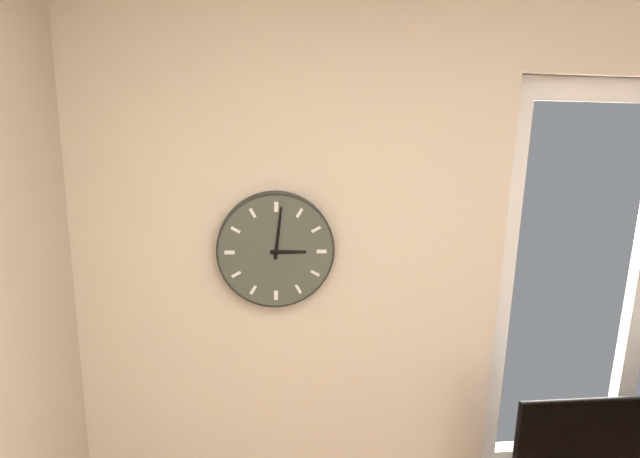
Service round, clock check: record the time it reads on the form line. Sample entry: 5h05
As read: 3h01
